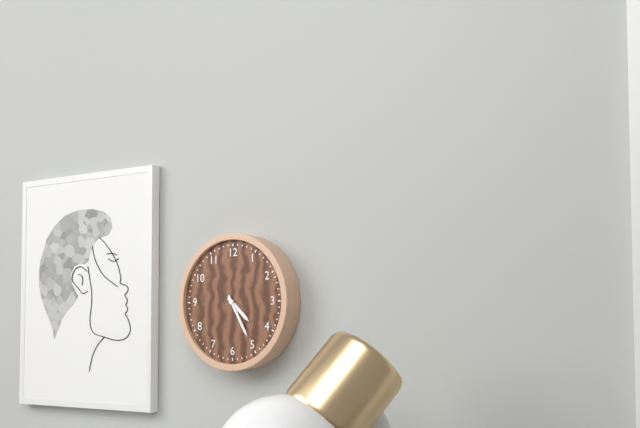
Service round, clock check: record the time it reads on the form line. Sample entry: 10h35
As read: 4h25
